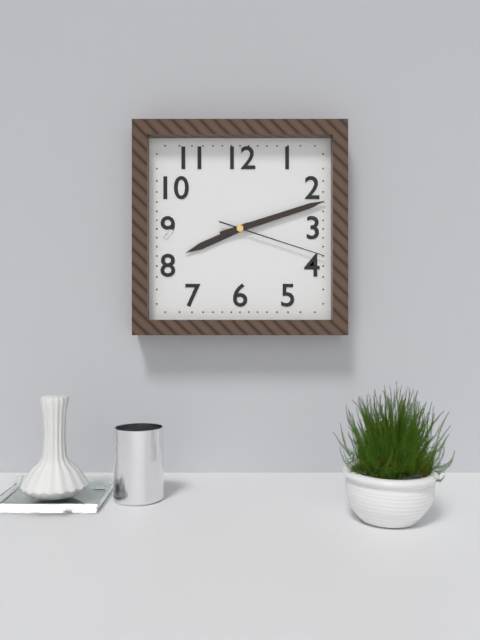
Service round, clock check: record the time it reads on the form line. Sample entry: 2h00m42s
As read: 8h12m18s
